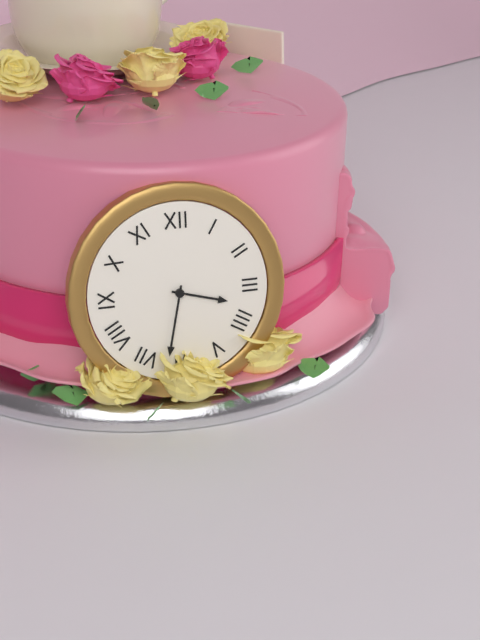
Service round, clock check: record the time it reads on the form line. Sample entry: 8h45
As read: 3h32
